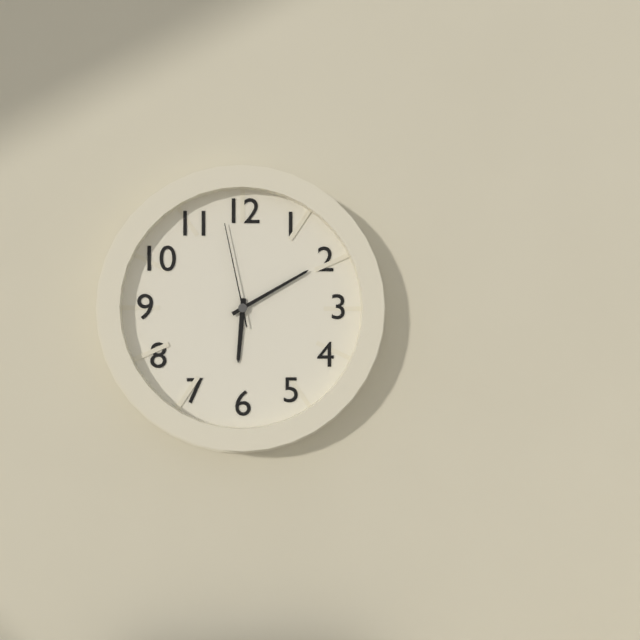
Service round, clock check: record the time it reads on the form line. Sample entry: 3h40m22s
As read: 6h10m58s
